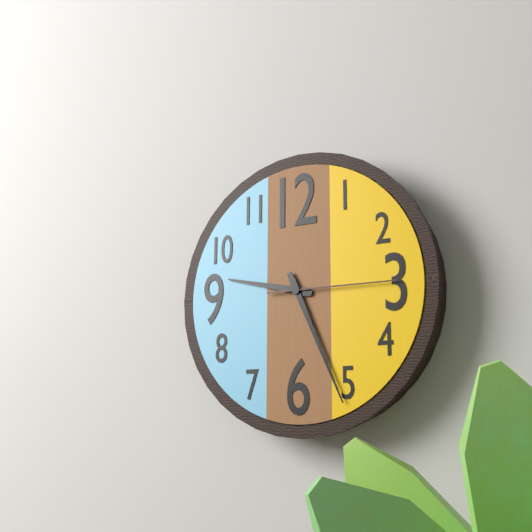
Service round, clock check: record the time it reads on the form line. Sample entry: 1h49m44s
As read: 9h26m15s
